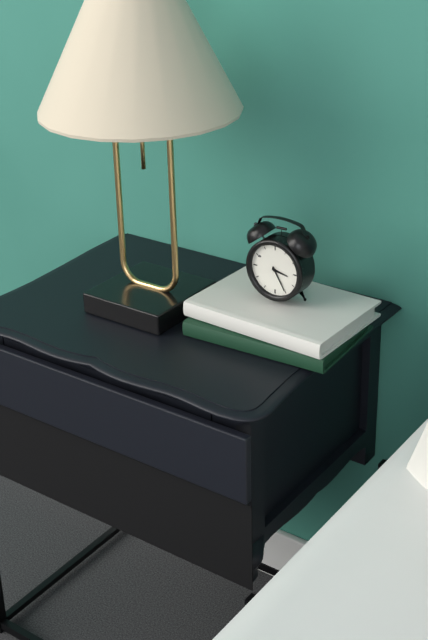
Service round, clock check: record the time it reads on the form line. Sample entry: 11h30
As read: 3h25
